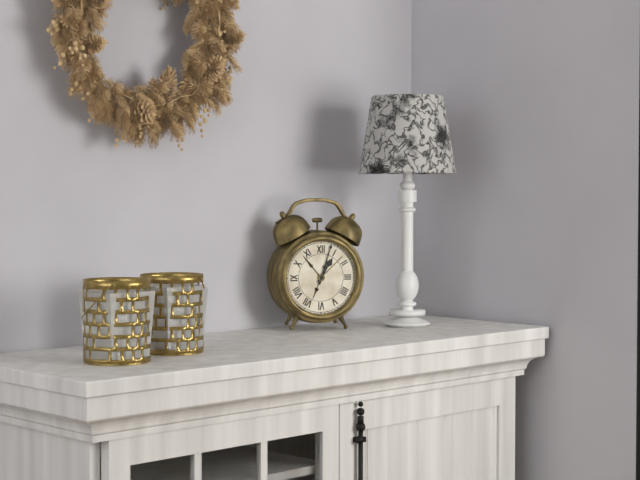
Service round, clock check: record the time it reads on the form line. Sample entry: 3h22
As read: 1h03
